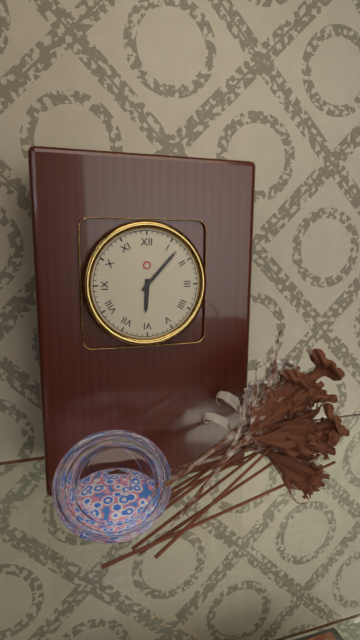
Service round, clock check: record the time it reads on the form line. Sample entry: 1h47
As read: 6h07
